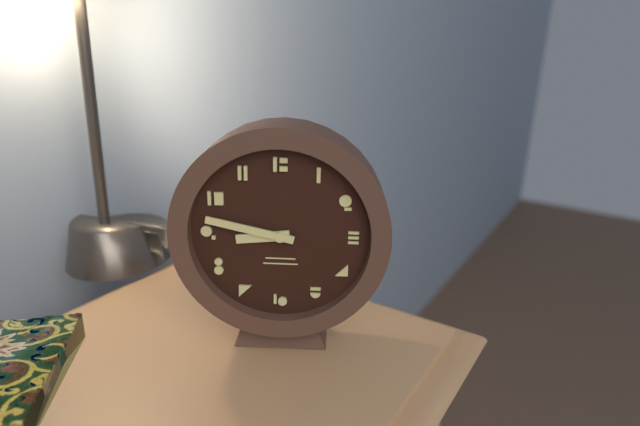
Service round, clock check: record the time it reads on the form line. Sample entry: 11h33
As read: 8h47
